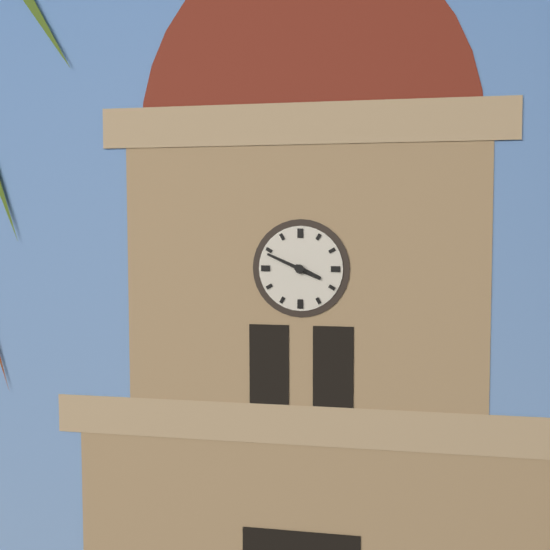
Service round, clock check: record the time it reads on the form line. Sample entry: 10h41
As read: 3h49
